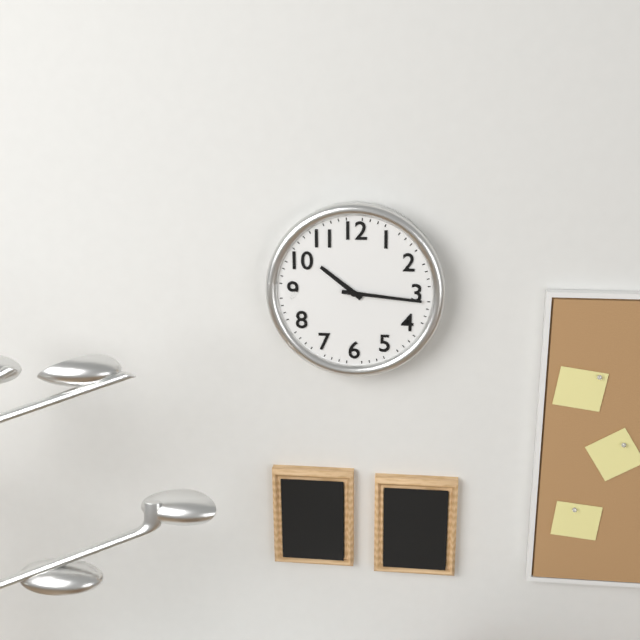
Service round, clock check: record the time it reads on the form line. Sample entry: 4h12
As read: 10h16
